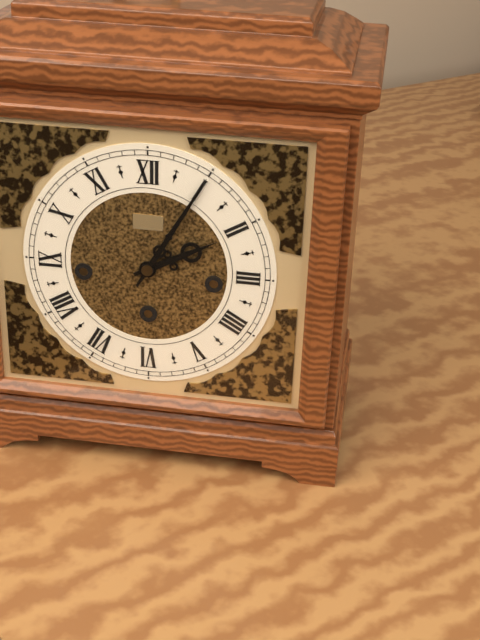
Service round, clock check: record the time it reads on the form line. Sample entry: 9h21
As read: 2h05
